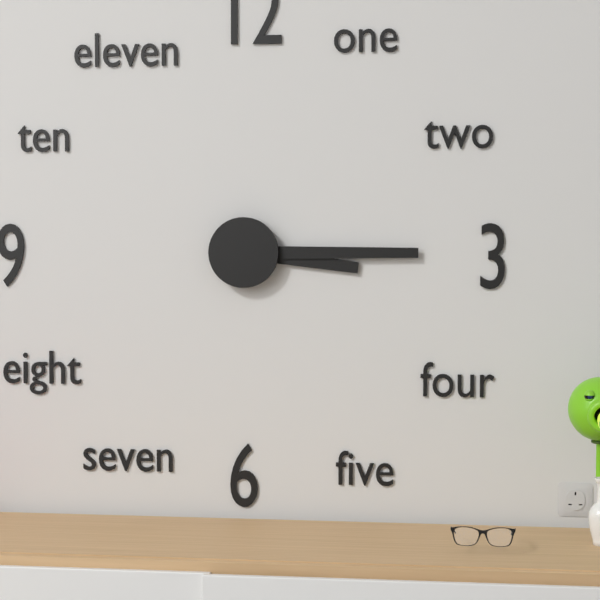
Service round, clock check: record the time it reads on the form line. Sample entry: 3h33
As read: 3h15
